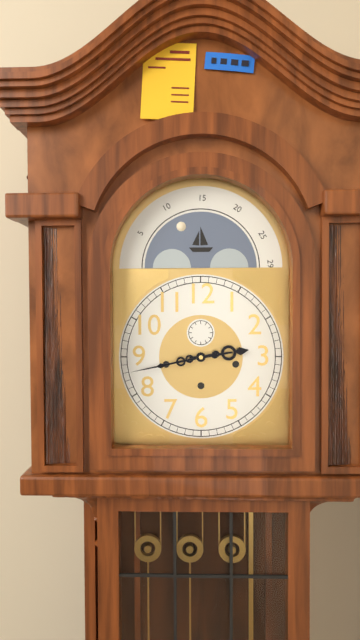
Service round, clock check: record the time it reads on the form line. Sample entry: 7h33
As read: 2h43
